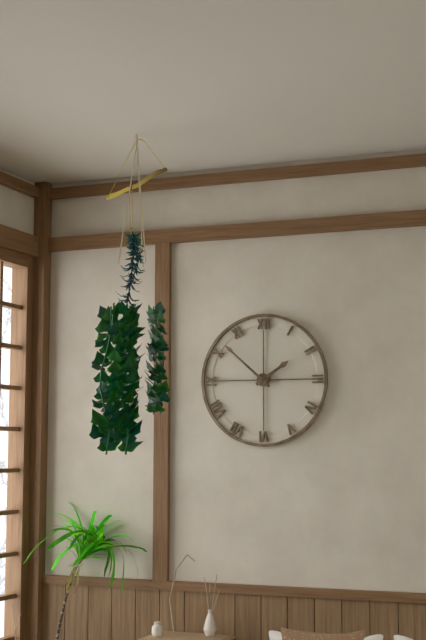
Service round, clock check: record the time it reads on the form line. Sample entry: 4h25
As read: 1h52
